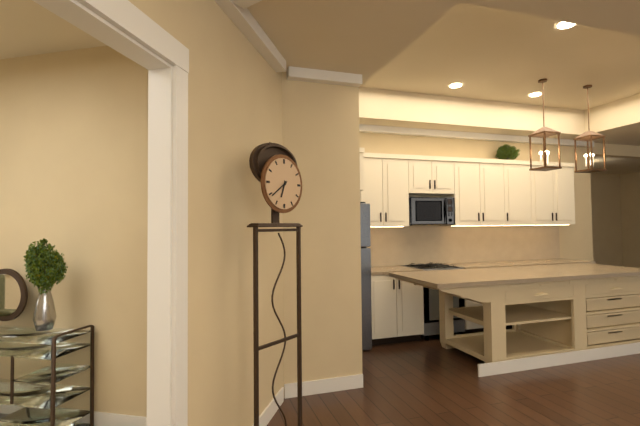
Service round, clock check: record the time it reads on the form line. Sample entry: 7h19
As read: 6h39
